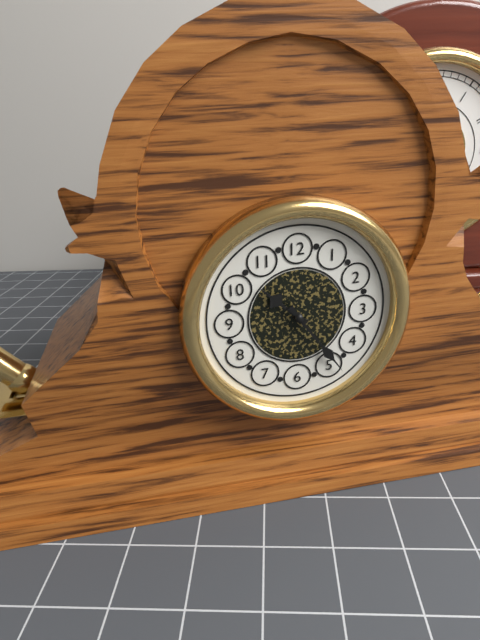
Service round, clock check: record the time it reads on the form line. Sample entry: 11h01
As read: 10h24
